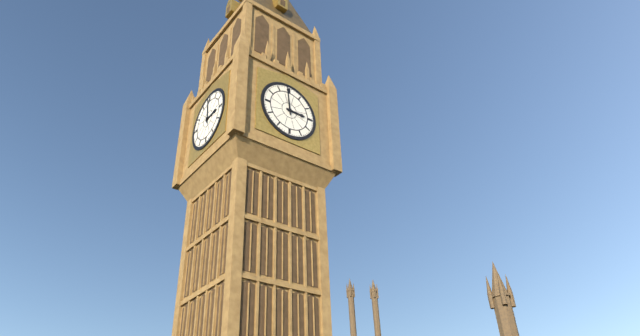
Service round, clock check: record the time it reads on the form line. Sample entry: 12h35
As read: 2h59
